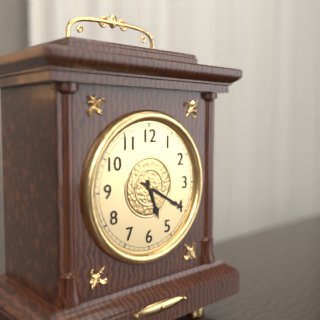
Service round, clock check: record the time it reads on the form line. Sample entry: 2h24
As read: 5h20
